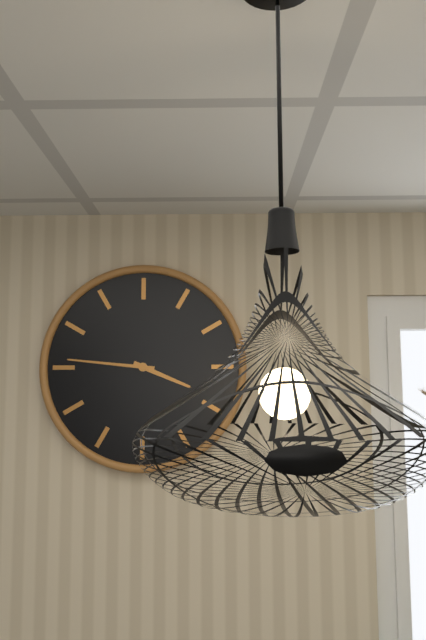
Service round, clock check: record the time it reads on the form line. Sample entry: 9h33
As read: 3h46
